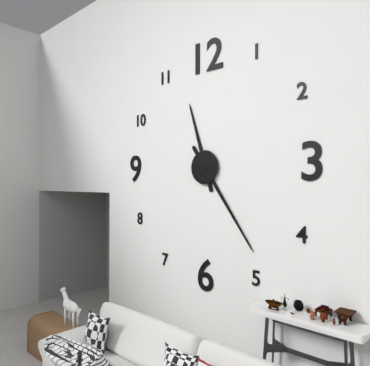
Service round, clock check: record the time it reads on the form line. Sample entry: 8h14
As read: 11h24
